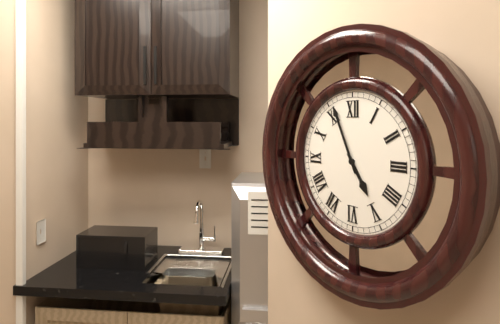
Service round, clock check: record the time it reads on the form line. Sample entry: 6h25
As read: 4h56
